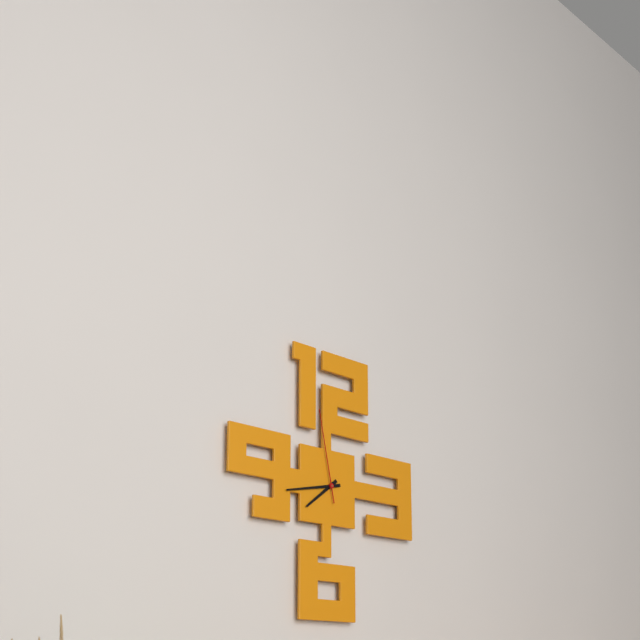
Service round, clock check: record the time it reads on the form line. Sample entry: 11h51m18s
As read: 7h43m58s
